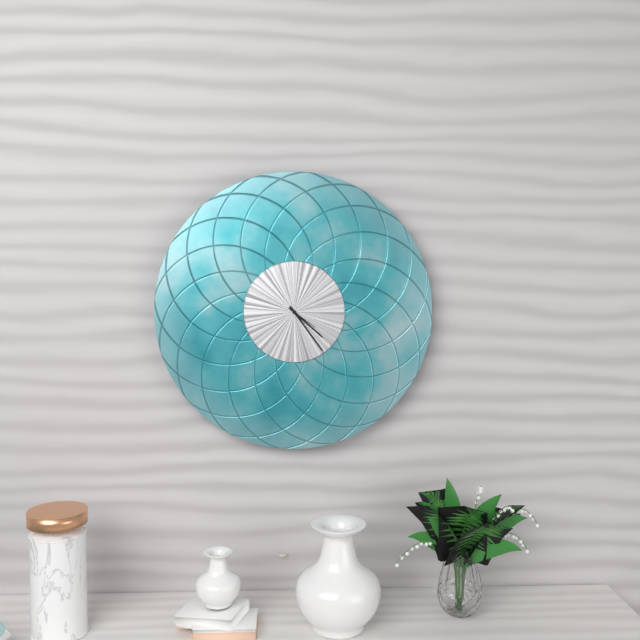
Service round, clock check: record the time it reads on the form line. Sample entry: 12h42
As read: 4h24
